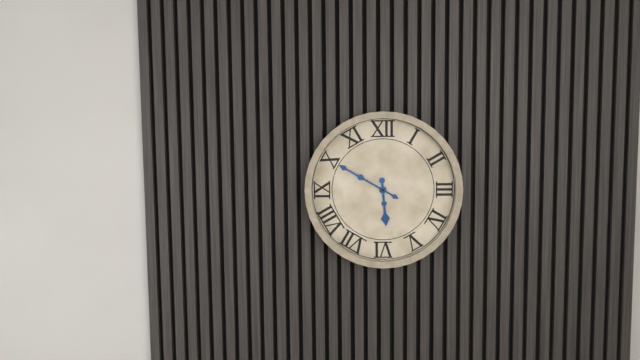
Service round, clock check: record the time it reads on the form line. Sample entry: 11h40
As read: 5h50
